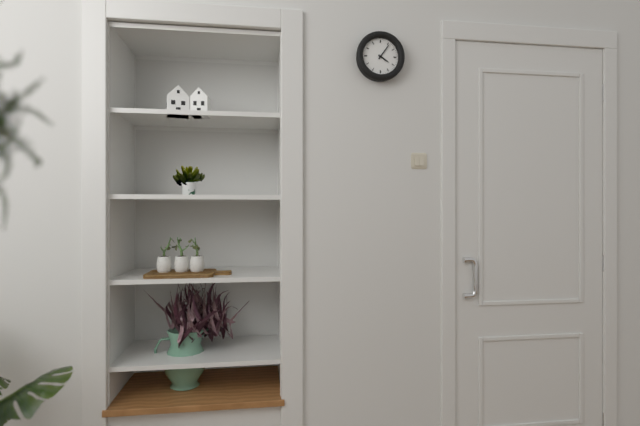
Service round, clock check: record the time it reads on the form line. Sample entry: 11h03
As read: 4h06
